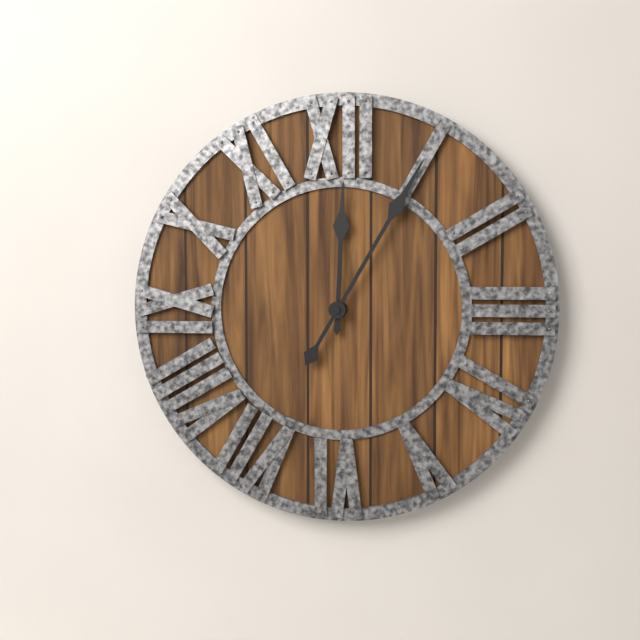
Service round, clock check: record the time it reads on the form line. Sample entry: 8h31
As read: 12h05
